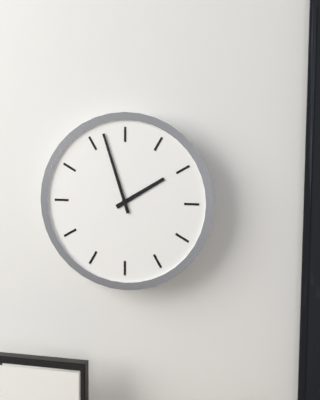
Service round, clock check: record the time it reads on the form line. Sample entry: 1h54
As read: 1h57
